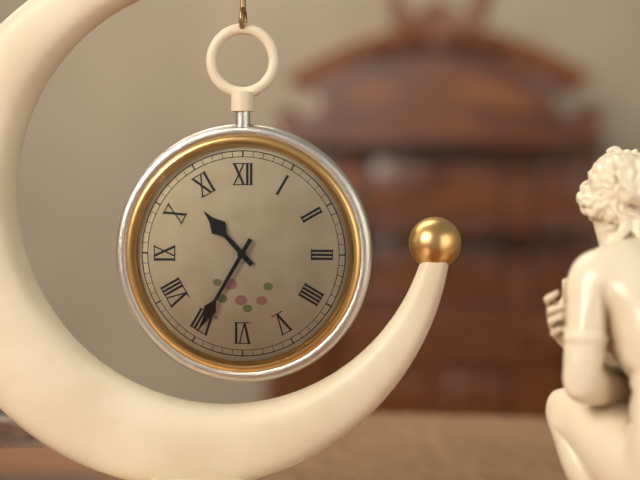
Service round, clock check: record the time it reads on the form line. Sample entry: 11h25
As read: 10h35
